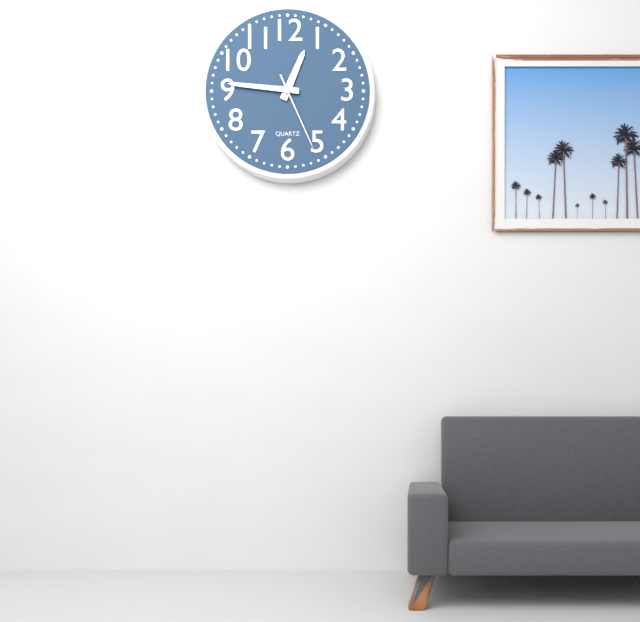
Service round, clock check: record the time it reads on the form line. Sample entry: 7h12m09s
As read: 12h46m26s
